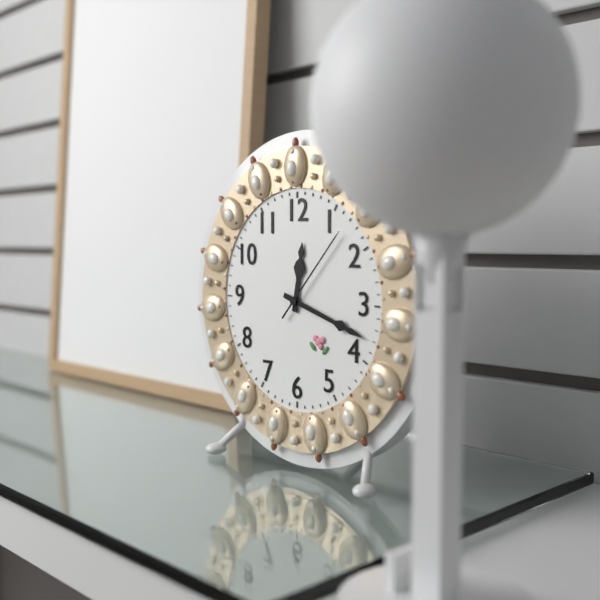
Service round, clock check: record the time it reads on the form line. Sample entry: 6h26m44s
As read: 12h18m07s
